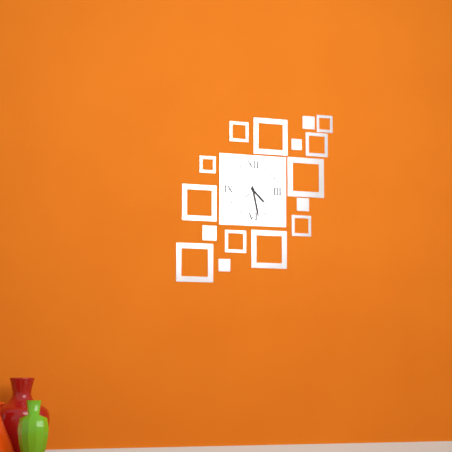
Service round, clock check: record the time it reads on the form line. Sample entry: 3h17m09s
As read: 4h28m38s
